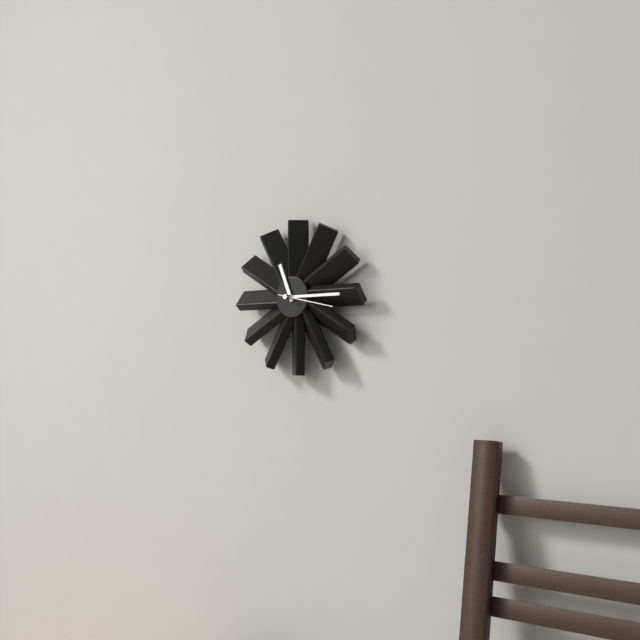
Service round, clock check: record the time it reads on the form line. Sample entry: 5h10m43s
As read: 11h15m17s
